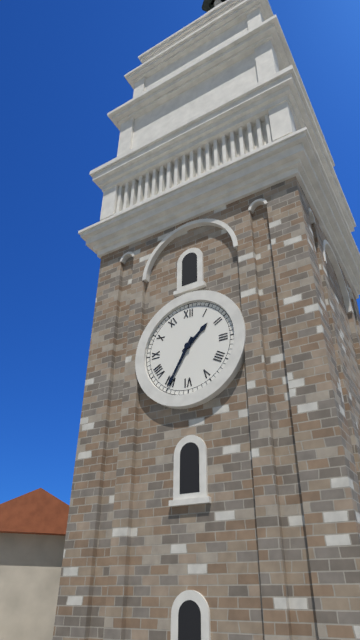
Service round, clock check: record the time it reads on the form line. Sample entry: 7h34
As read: 1h35
